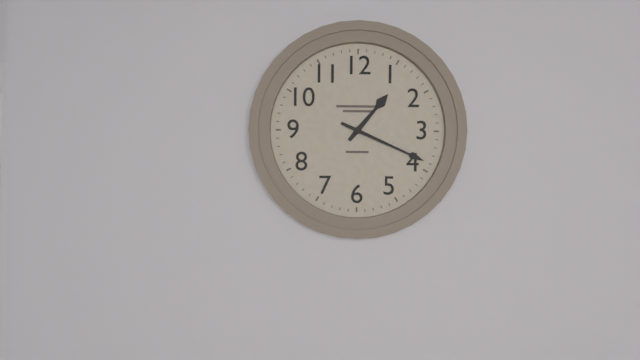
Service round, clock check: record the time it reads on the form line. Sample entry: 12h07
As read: 1h19
